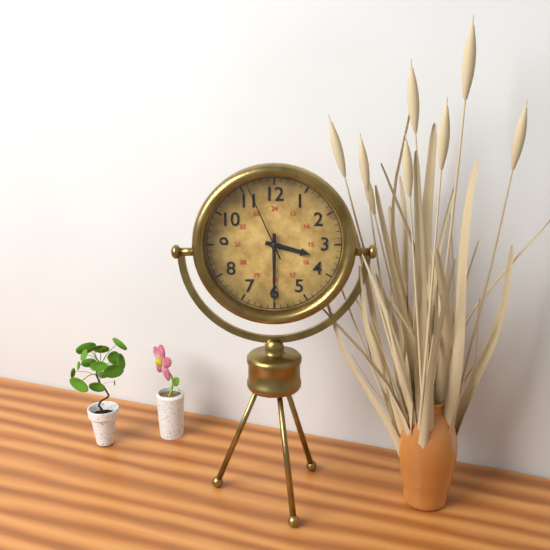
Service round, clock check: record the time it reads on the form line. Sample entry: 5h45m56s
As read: 3h30m56s
